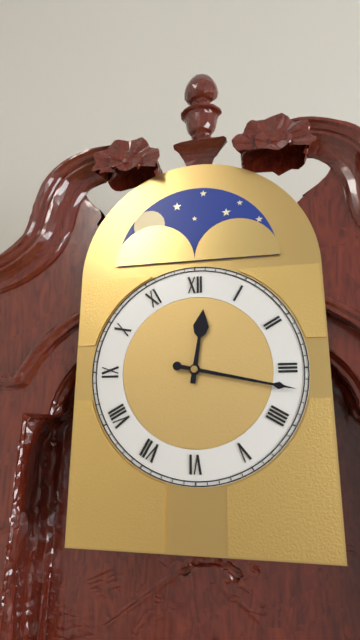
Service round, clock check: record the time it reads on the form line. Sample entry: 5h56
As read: 12h17
